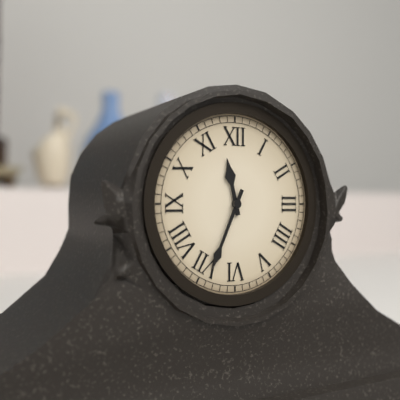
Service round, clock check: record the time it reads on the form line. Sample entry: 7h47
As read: 11h34
